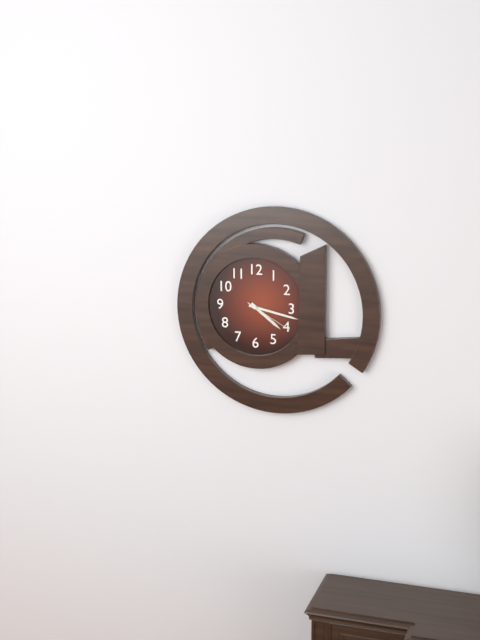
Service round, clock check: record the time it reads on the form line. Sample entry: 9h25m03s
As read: 4h17m20s
